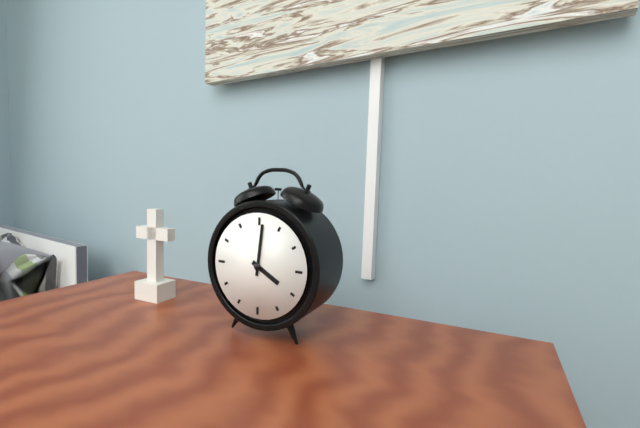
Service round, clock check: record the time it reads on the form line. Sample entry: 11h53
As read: 4h01
